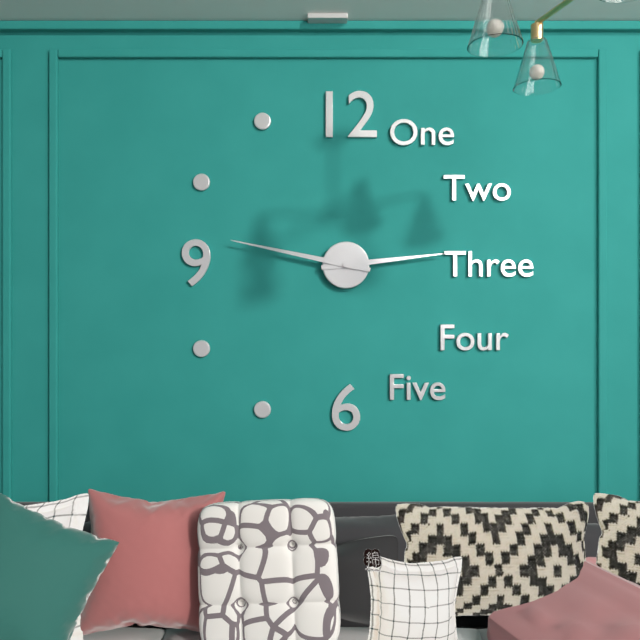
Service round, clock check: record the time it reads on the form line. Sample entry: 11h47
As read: 2h47
